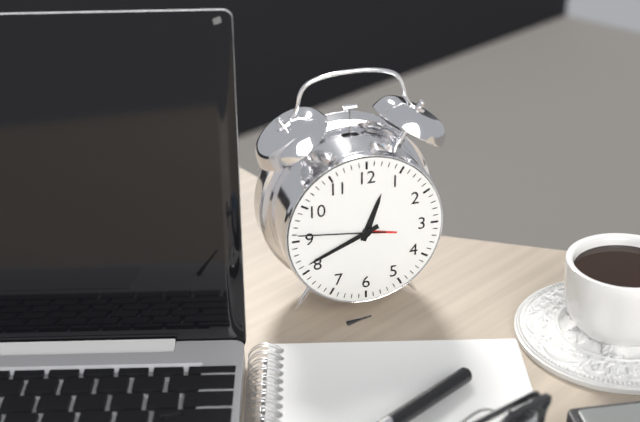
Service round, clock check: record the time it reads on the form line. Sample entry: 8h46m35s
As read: 12h41m46s
